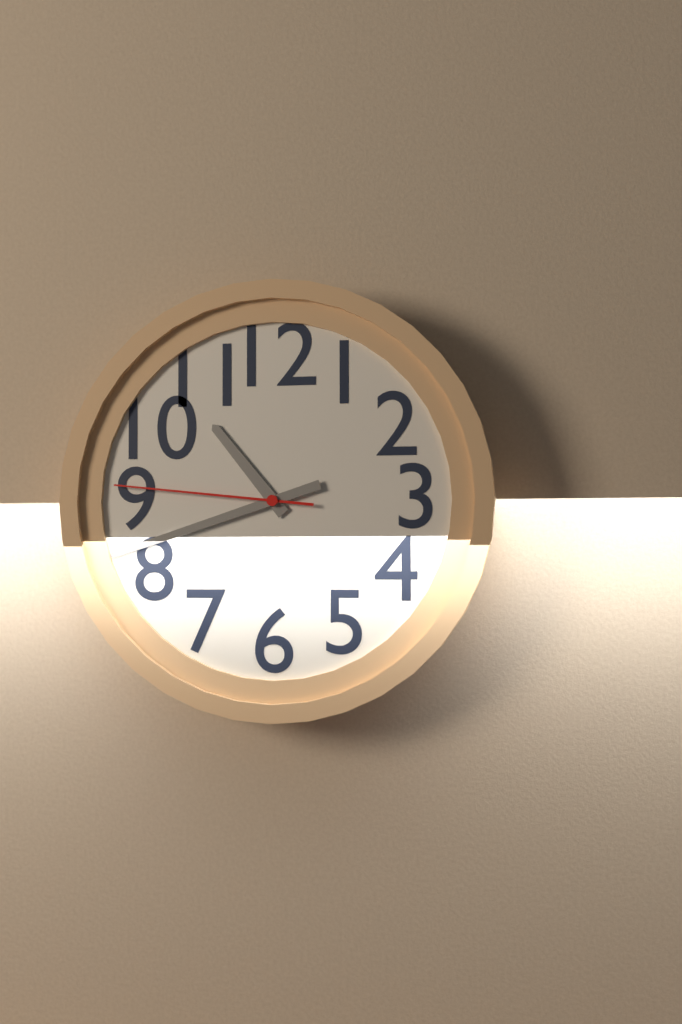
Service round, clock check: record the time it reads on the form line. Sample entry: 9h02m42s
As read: 10h42m46s
